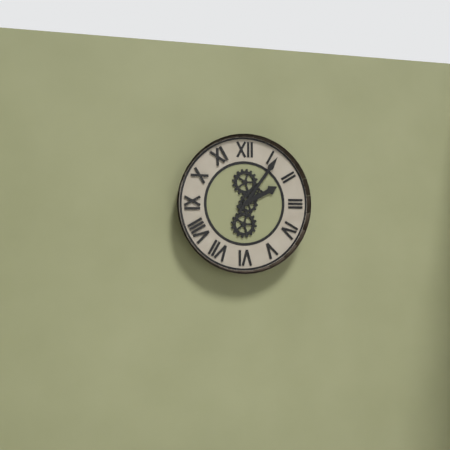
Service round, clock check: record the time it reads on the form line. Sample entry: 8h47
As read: 2h06
